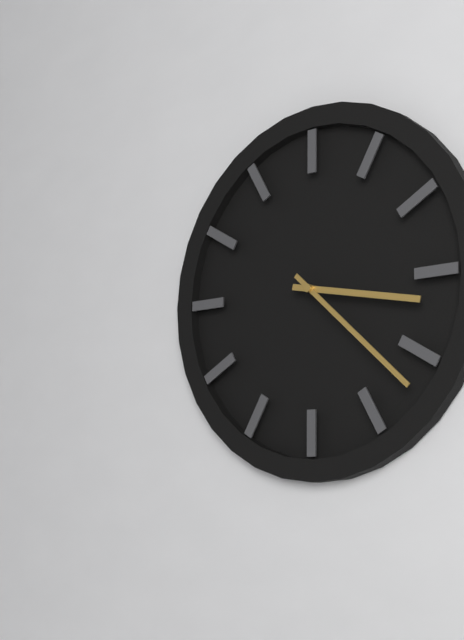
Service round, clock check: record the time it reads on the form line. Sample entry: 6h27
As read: 3h22
